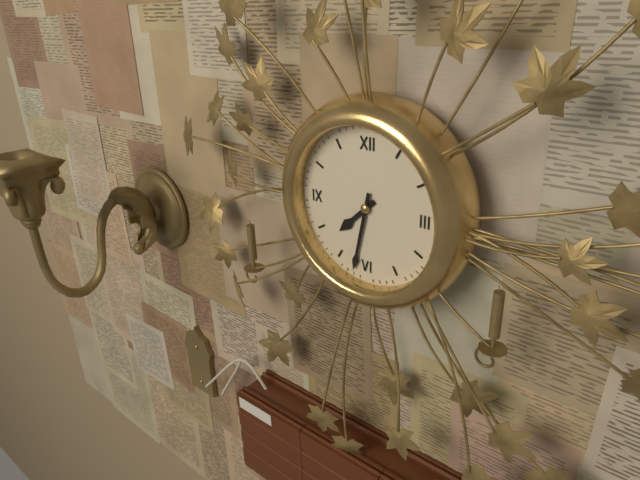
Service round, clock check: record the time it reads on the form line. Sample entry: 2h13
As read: 7h32
